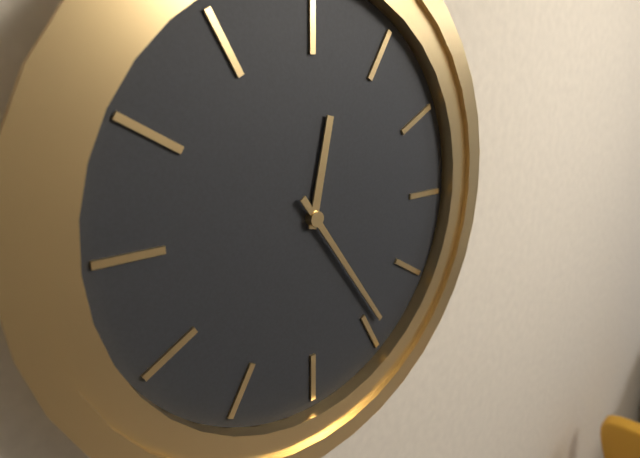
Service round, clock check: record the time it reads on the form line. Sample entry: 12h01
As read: 12h24
